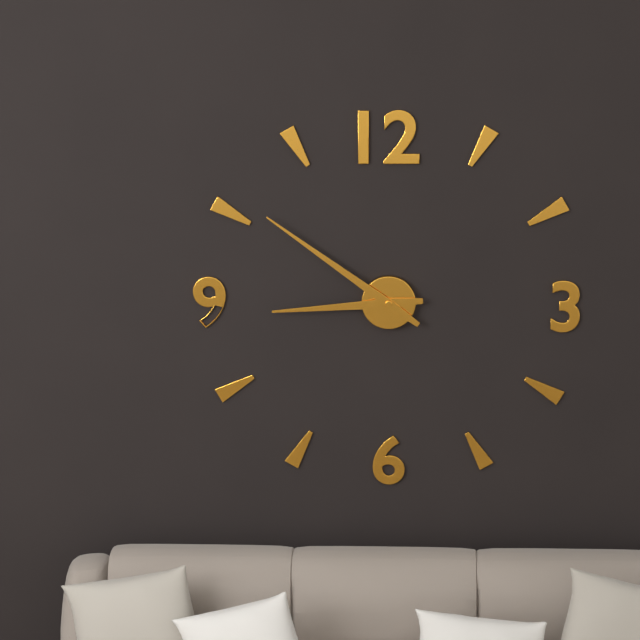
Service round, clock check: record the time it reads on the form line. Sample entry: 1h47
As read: 8h51
